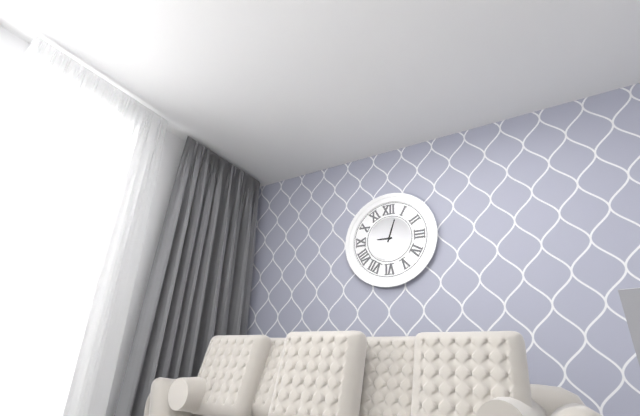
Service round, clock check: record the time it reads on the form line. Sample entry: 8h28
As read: 9h03
